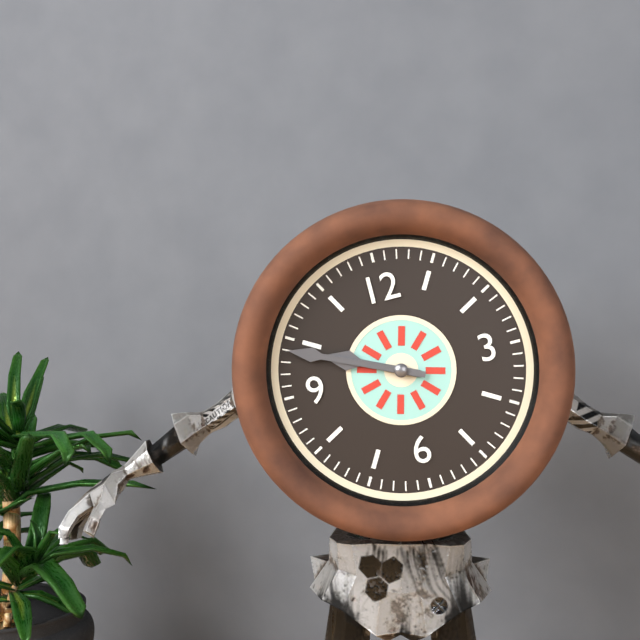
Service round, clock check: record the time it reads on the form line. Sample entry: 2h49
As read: 9h49
